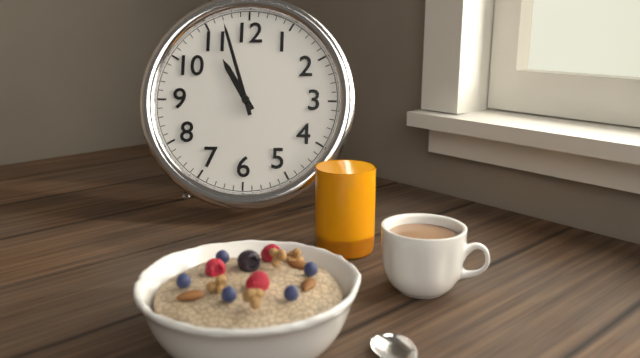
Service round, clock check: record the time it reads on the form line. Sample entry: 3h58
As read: 10h57
